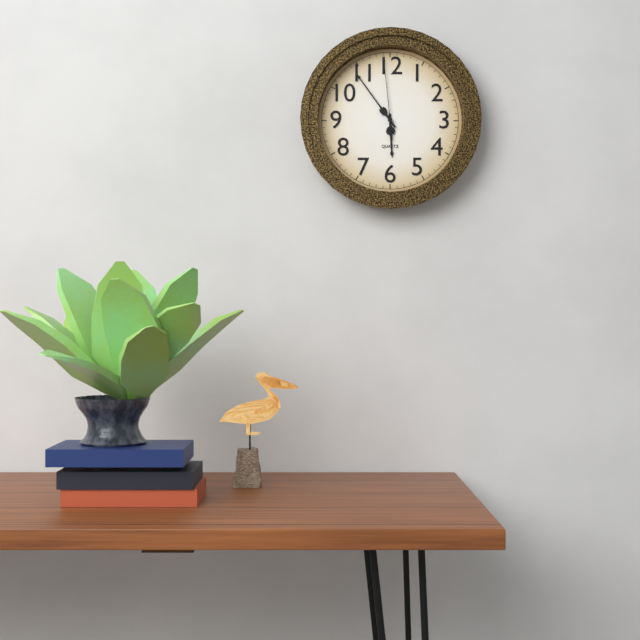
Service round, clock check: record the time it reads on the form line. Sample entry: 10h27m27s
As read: 5h54m59s
